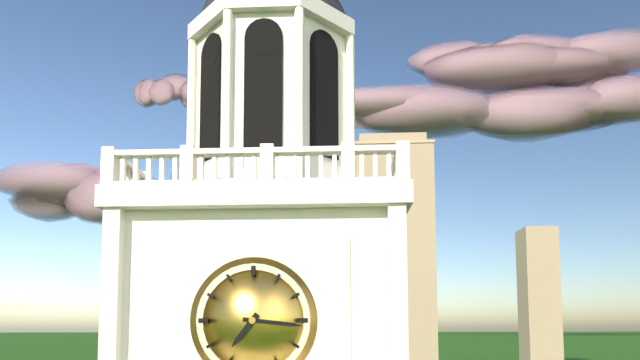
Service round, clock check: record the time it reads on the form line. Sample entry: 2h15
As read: 7h16
